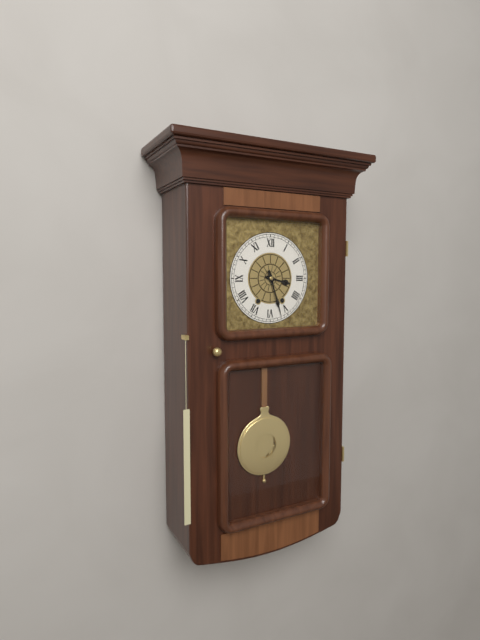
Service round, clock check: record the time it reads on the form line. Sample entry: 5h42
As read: 3h27
